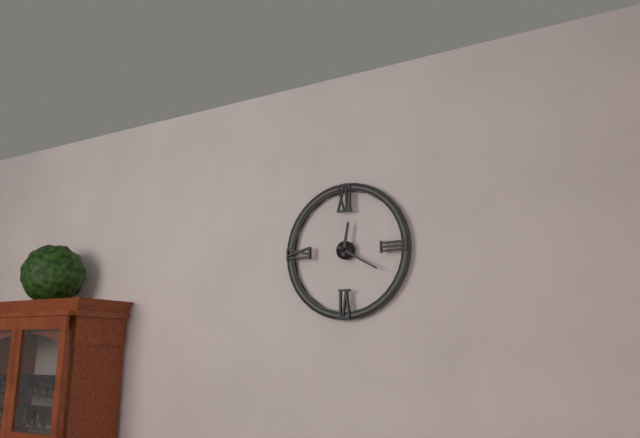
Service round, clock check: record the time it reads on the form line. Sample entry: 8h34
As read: 12h20
